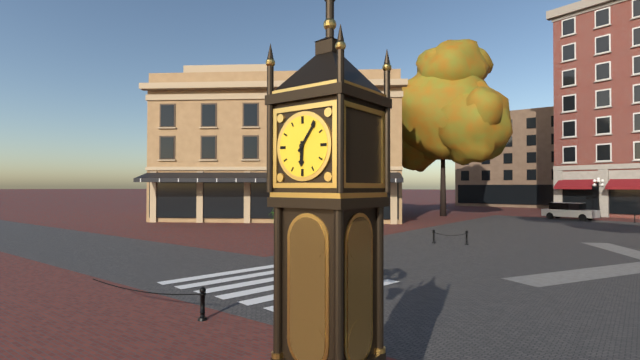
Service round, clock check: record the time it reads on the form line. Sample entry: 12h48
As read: 6h06
